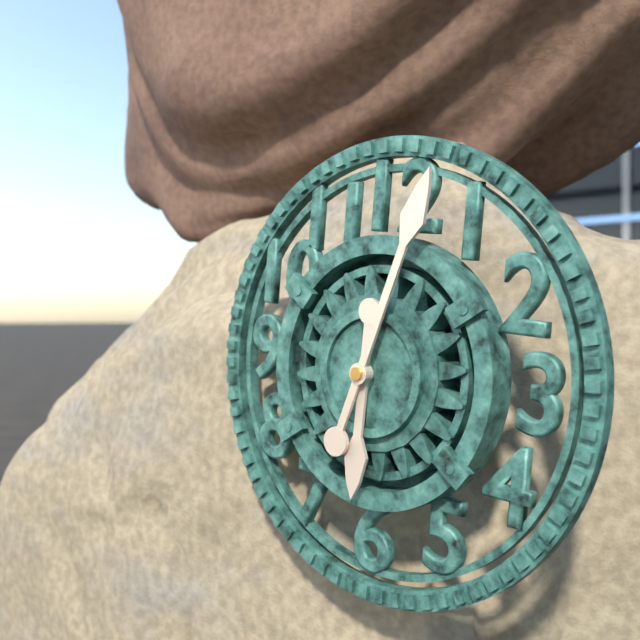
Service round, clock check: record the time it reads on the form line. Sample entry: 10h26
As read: 6h03
